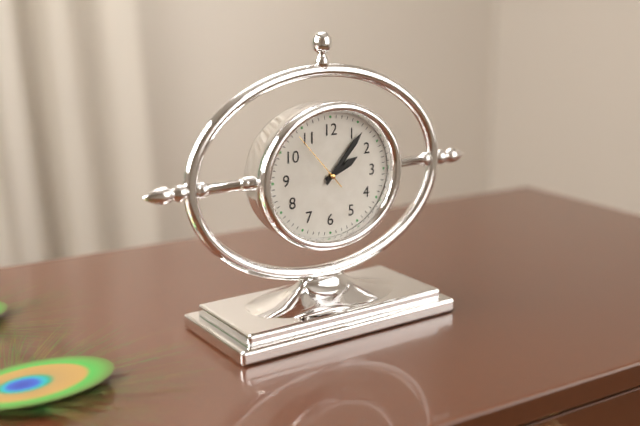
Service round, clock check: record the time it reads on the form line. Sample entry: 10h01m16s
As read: 2h07m53s
